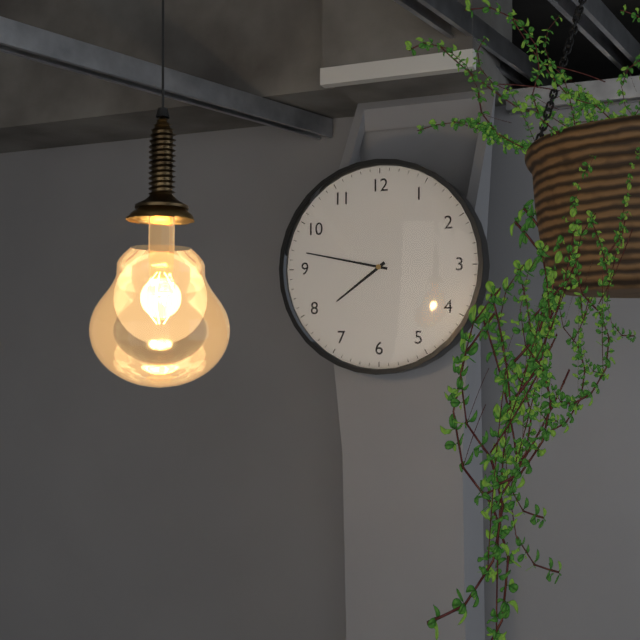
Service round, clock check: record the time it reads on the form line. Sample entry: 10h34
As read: 7h47
